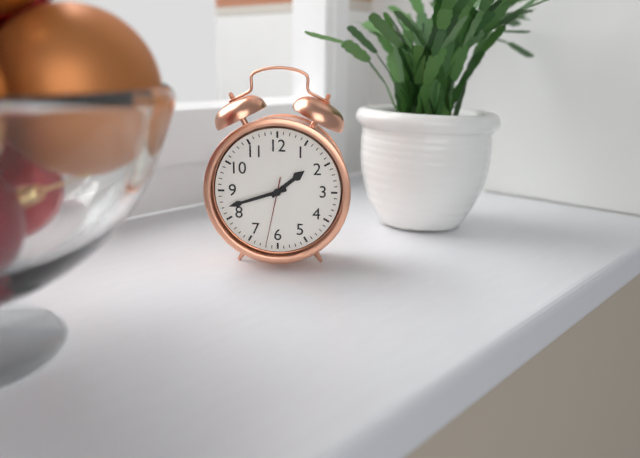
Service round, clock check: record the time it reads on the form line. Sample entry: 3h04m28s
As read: 1h42m32s
